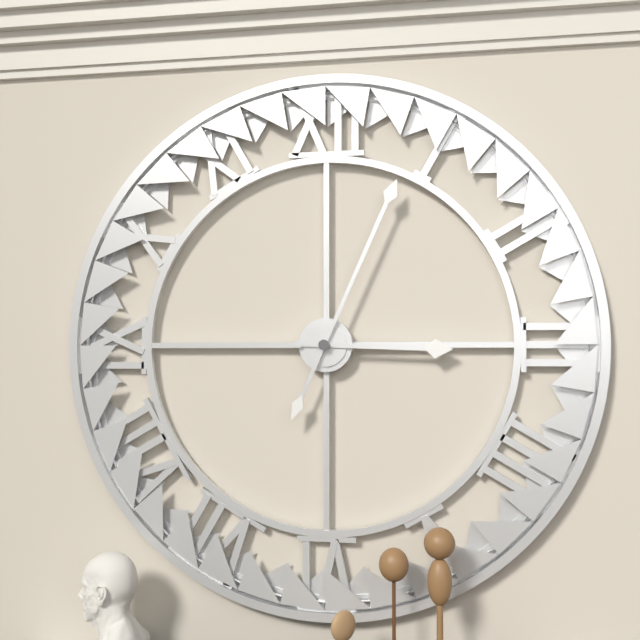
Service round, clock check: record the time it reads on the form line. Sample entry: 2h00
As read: 3h04
